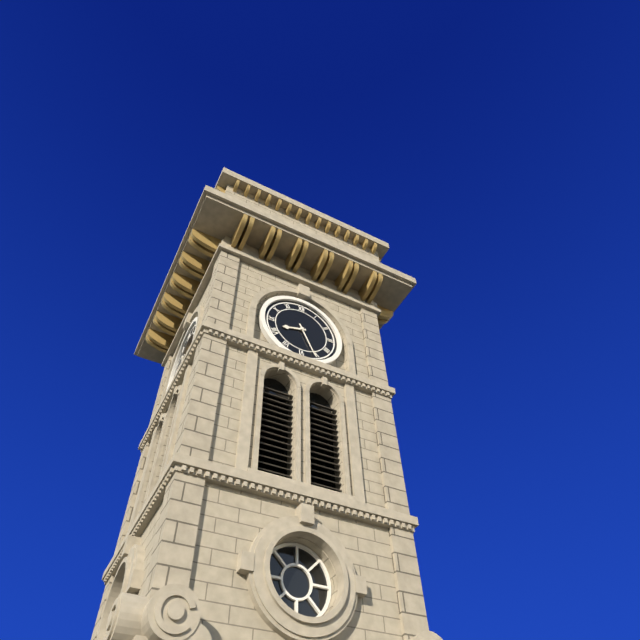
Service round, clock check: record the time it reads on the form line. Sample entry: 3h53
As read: 8h26
